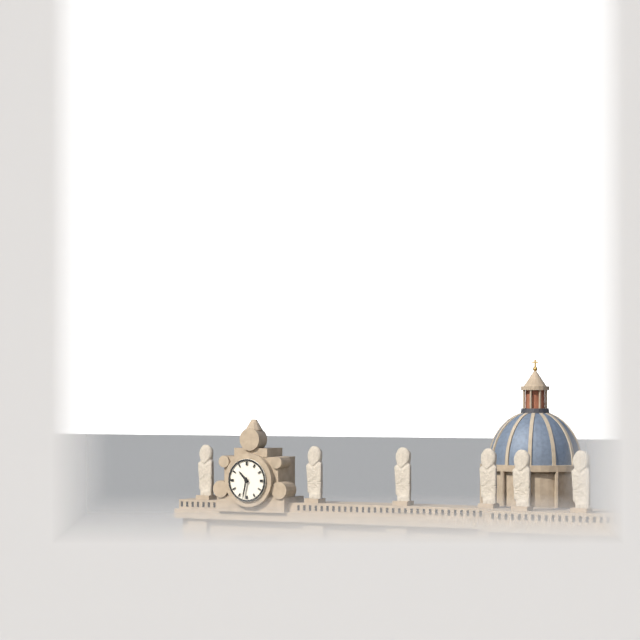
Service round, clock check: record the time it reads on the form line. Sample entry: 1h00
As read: 10h32
